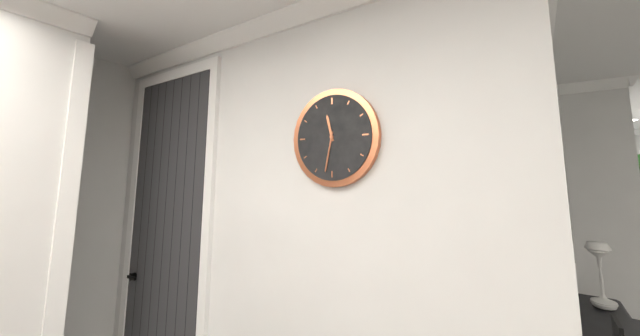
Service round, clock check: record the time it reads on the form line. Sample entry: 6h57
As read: 11h32
